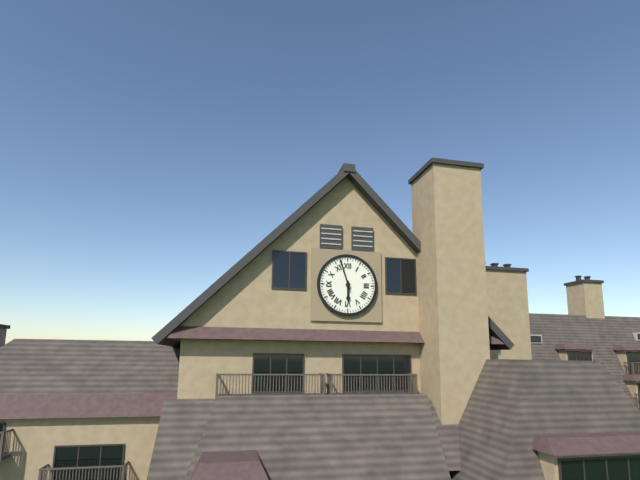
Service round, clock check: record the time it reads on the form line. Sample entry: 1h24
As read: 5h57
